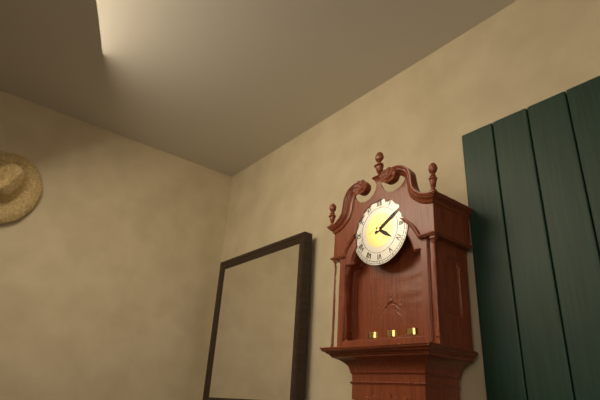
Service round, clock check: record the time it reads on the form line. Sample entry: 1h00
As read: 4h10
